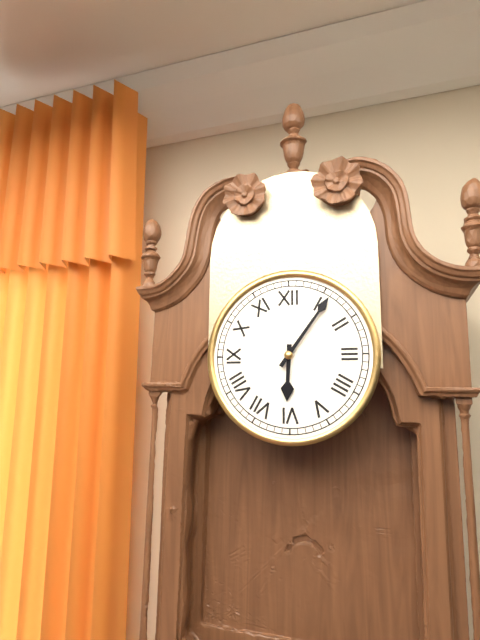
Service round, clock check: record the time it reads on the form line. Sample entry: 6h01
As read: 6h06
